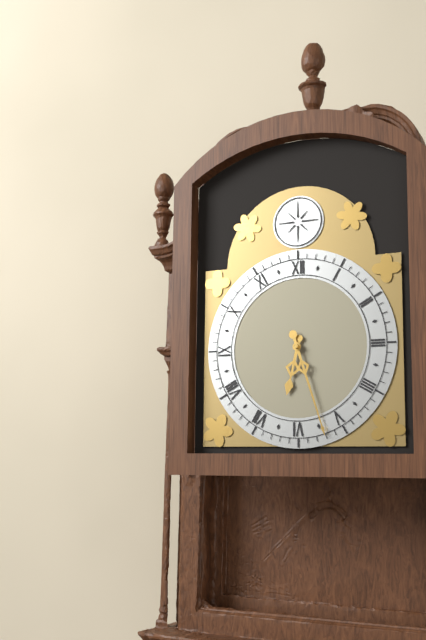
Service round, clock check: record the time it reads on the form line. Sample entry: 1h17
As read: 6h27
